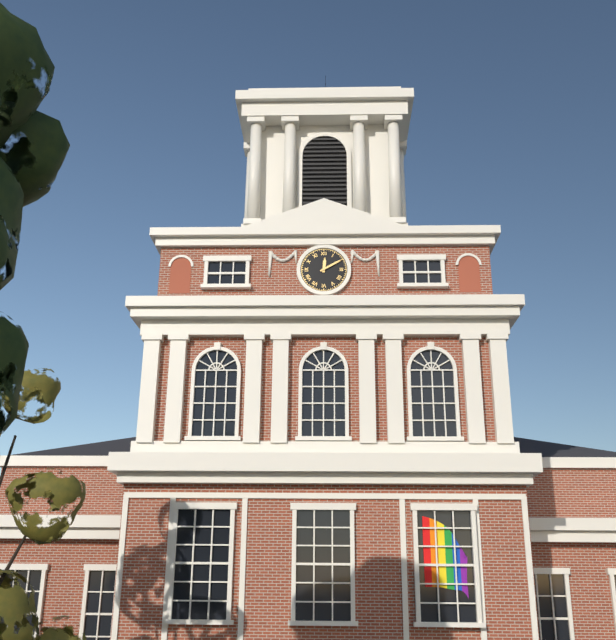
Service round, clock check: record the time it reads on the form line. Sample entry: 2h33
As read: 12h10
